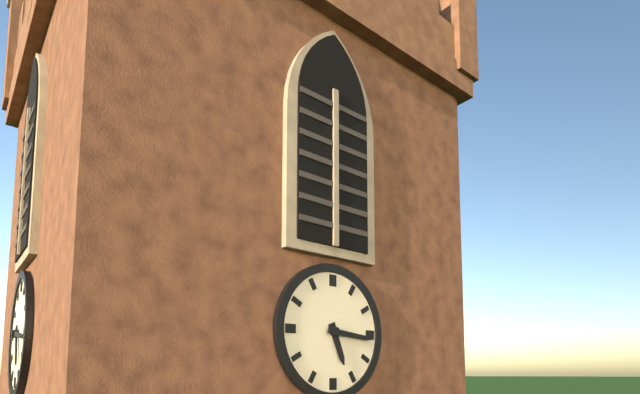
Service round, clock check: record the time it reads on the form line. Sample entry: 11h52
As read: 5h16
